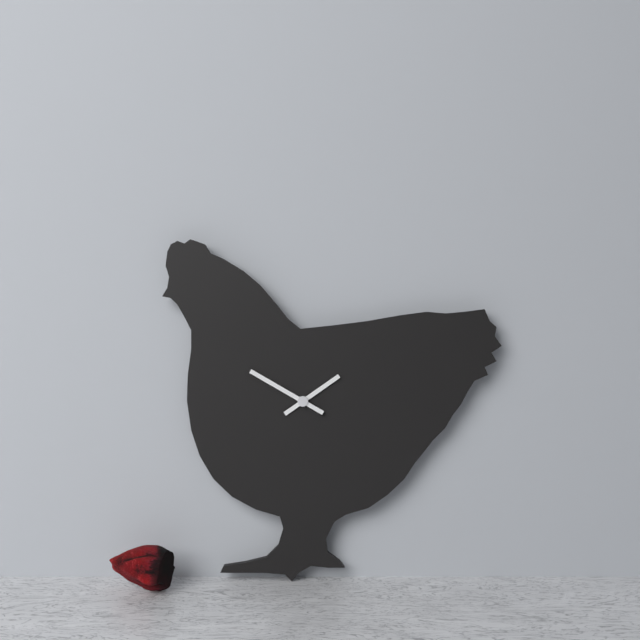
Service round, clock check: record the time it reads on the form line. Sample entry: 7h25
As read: 1h50
